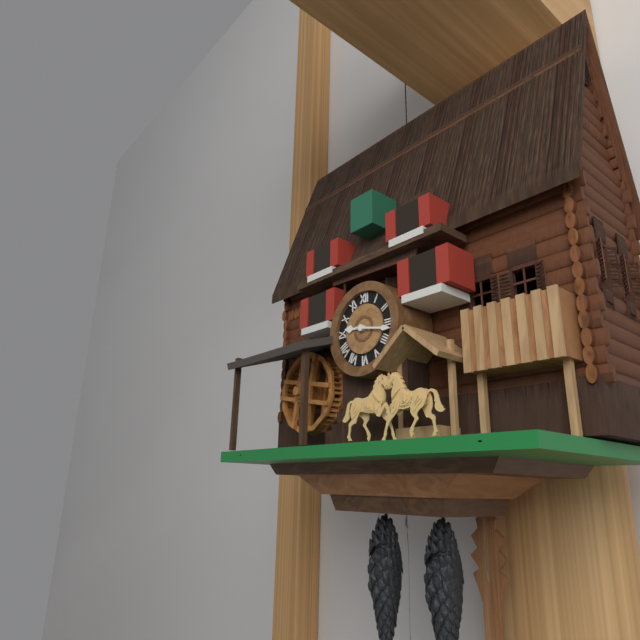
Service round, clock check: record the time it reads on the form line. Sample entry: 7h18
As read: 9h17
